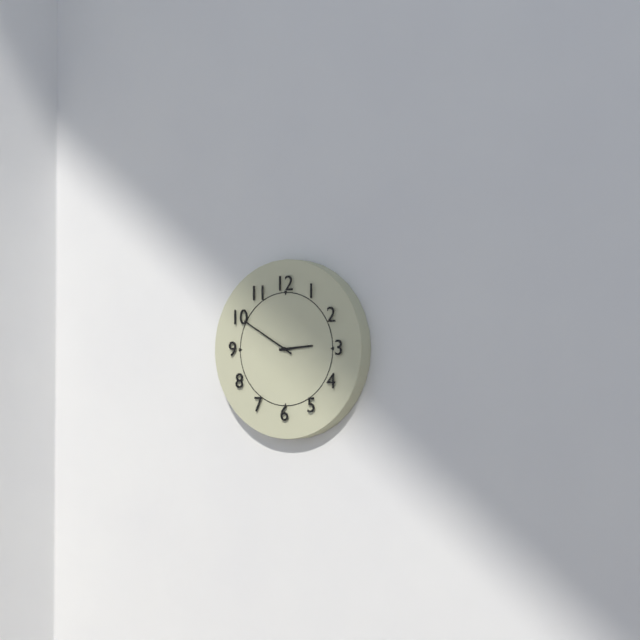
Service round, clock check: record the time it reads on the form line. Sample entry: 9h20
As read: 2h50
